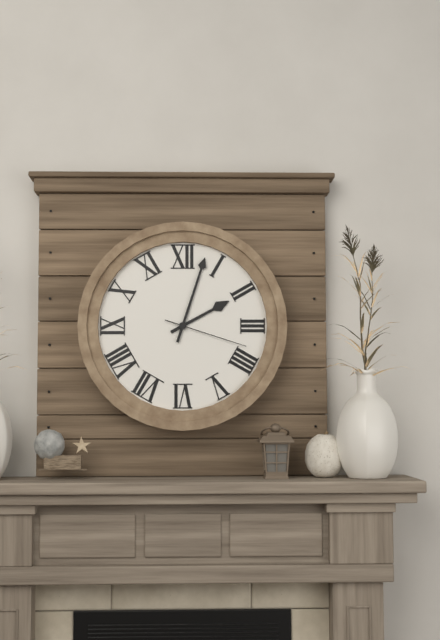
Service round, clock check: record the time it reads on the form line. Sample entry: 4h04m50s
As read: 2h03m18s
